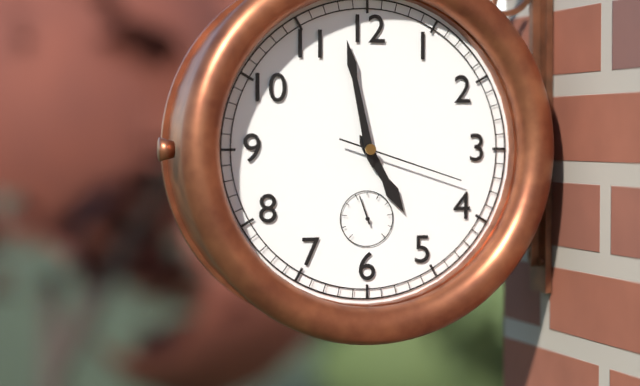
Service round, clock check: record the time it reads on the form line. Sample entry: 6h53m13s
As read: 4h58m18s
